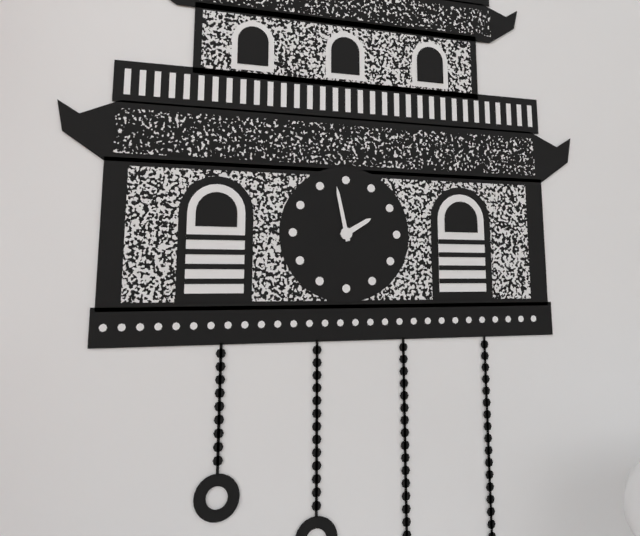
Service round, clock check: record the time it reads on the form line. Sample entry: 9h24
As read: 1h58
